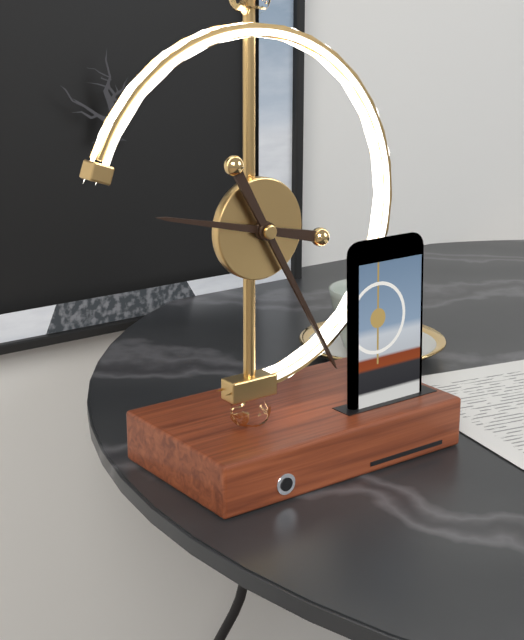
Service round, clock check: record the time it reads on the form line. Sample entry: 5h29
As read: 9h25
